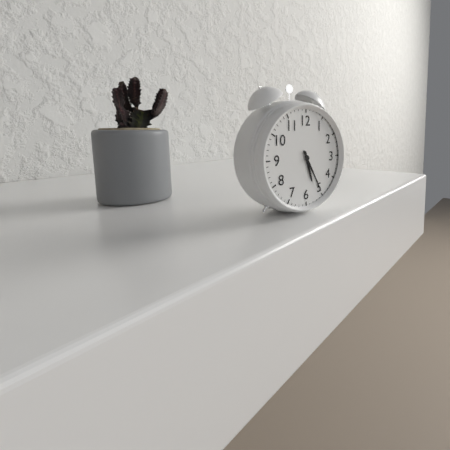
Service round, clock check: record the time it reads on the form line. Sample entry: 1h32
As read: 5h25
